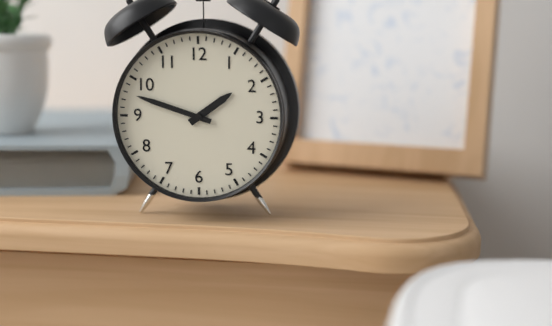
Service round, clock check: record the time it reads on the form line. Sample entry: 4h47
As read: 1h48
